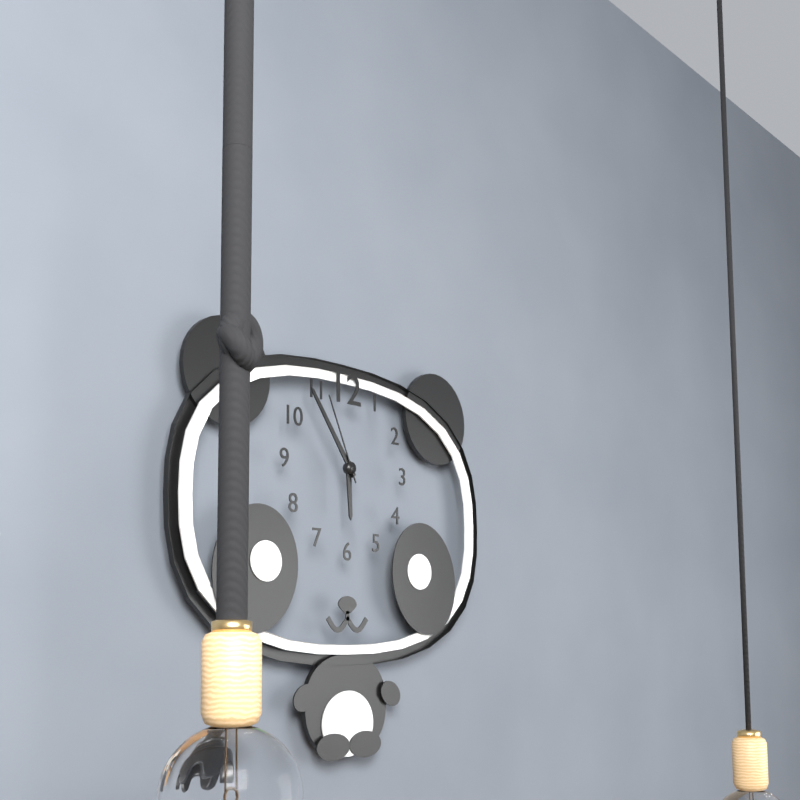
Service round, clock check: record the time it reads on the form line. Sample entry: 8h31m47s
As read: 5h54m56s
